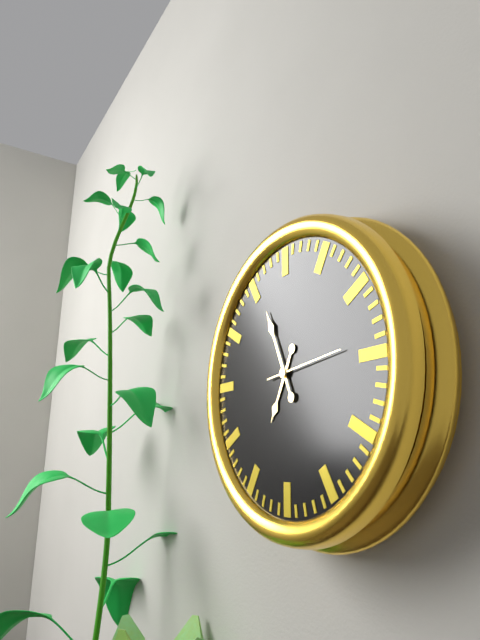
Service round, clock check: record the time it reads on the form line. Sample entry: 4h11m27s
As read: 6h56m14s
